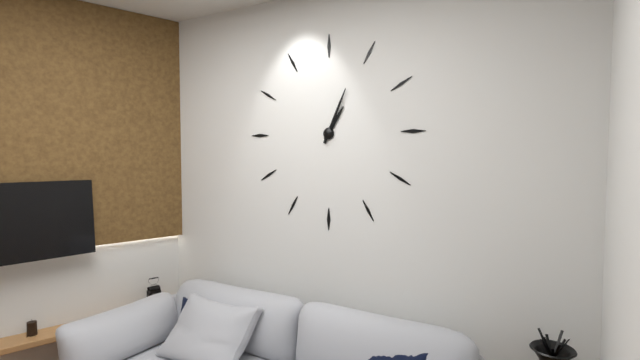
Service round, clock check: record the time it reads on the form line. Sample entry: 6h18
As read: 1h04
